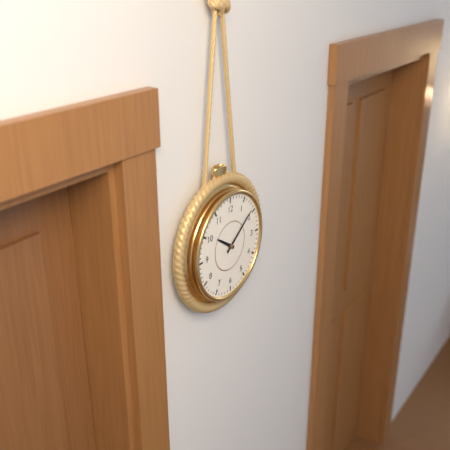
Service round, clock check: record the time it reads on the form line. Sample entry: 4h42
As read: 10h09
